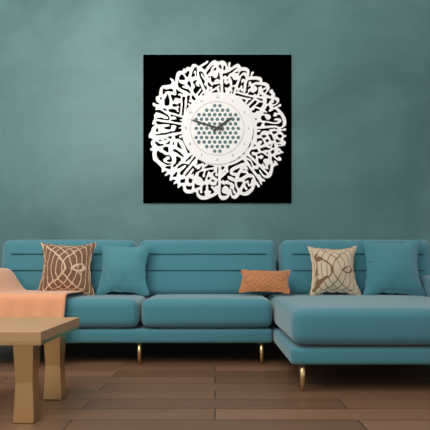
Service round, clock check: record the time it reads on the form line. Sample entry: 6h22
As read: 1h48
